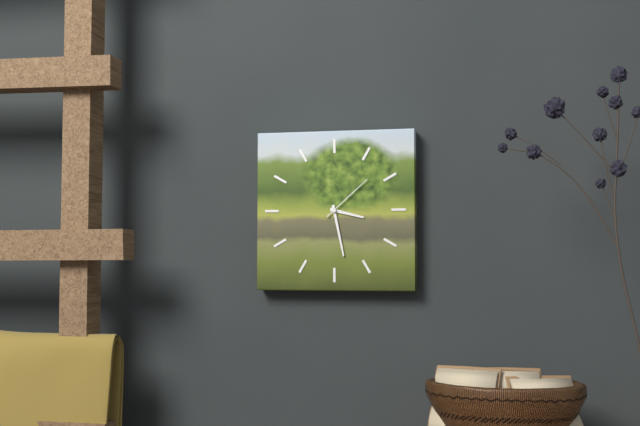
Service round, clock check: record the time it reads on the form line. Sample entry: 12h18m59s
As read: 3h28m08s
